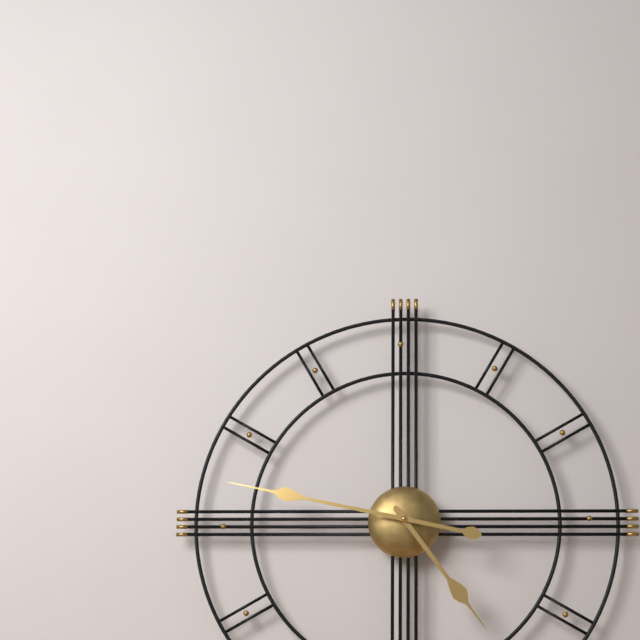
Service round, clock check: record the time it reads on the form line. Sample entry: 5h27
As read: 4h47
